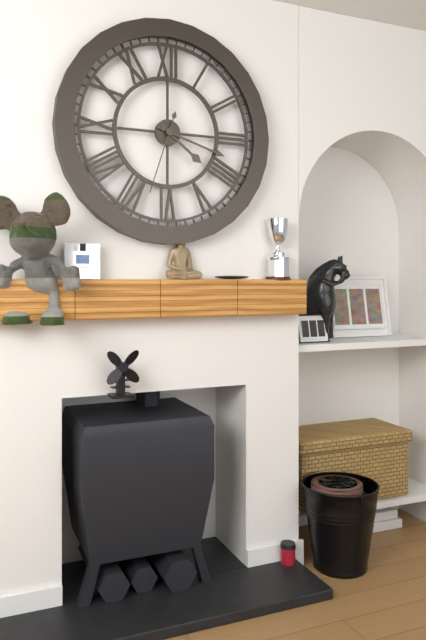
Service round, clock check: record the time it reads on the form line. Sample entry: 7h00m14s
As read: 4h18m33s
